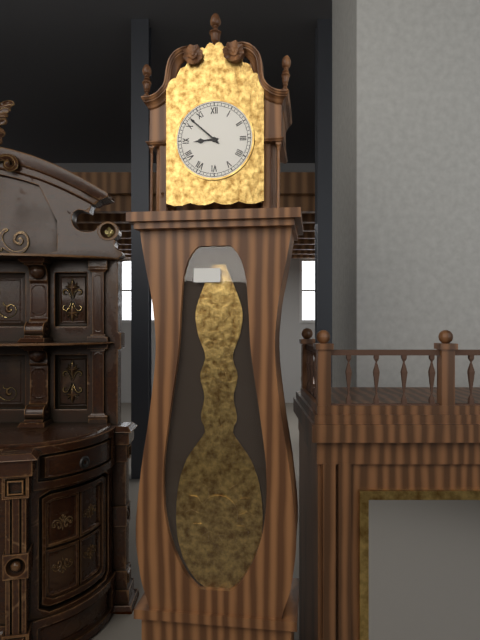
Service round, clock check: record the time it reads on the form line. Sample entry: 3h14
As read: 8h52
